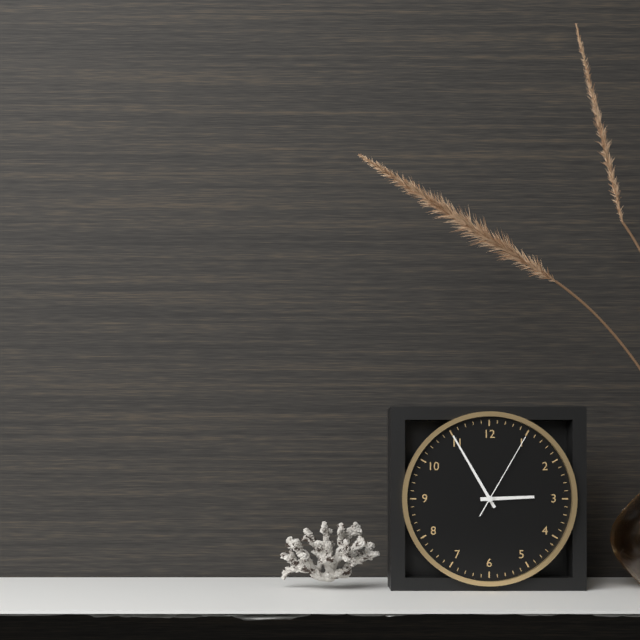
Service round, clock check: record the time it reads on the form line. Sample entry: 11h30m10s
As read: 2h55m05s
